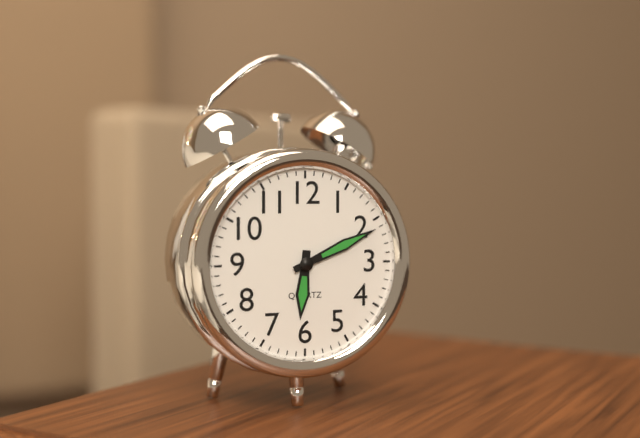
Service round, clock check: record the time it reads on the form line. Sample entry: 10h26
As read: 6h11
